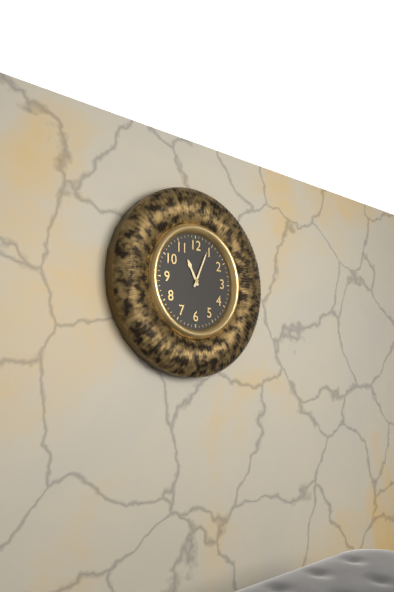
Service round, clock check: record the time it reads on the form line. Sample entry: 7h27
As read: 11h04
